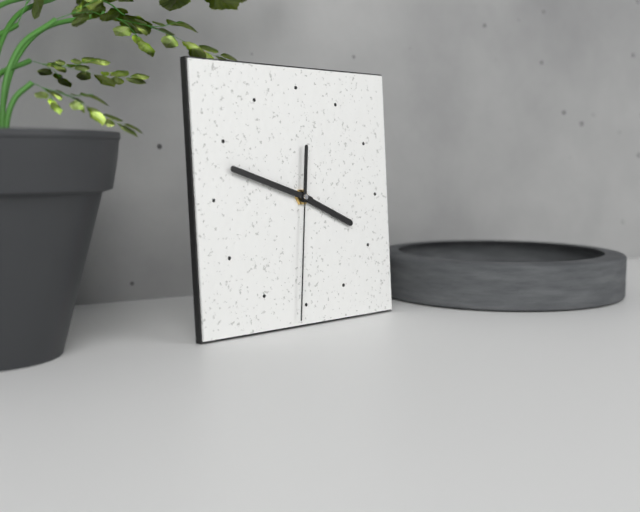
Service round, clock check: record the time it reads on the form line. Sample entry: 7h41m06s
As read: 3h48m31s
